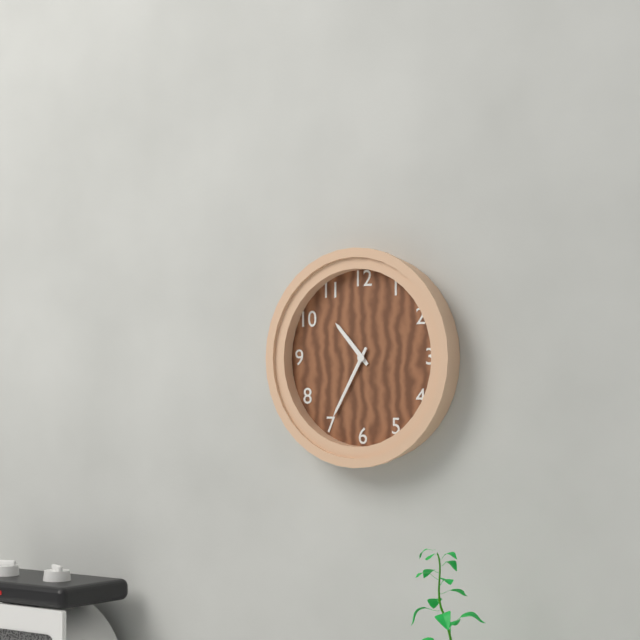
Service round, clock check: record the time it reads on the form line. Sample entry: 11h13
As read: 10h35
